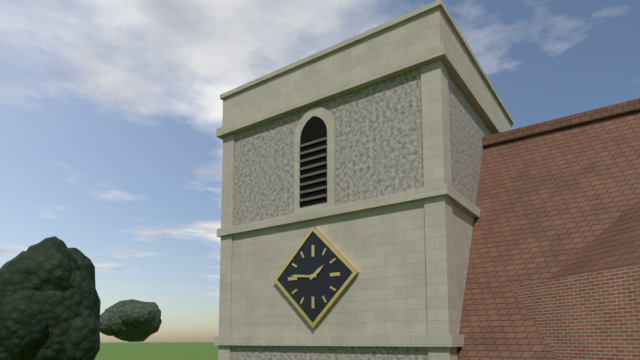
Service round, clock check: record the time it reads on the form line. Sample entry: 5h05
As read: 1h46
